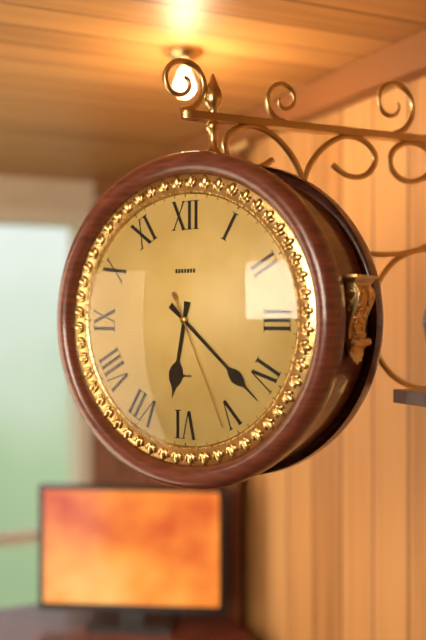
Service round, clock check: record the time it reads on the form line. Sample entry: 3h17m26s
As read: 6h22m26s
